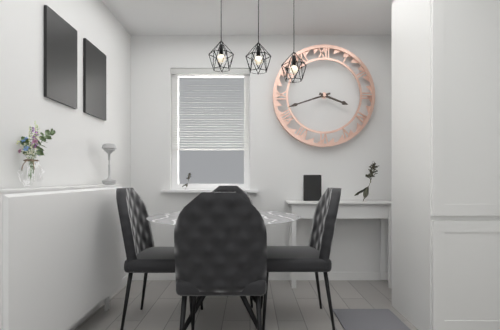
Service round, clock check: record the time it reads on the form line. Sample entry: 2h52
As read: 3h42
